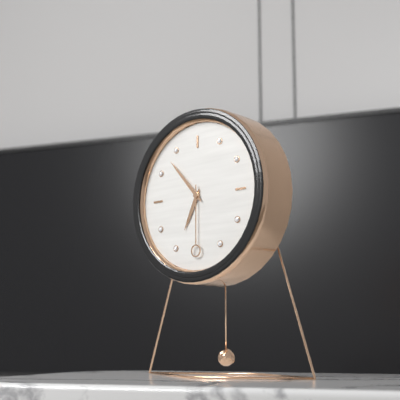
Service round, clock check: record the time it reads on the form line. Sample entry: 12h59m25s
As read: 6h53m30s
